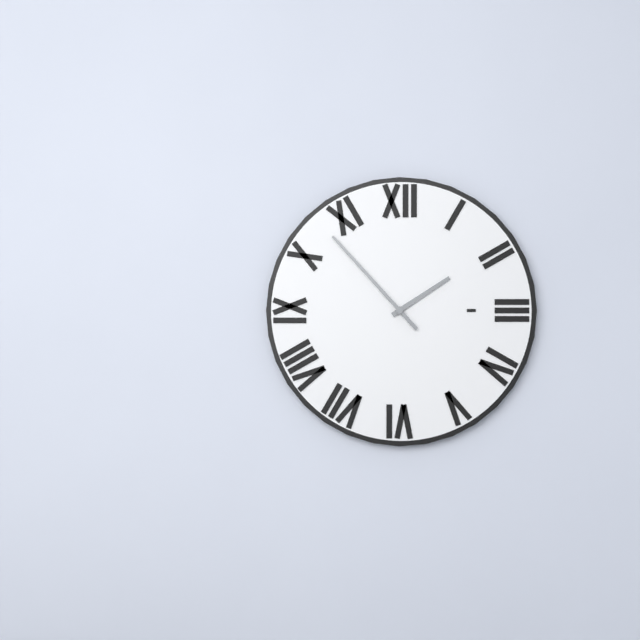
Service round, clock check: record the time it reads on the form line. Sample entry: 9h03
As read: 1h53
